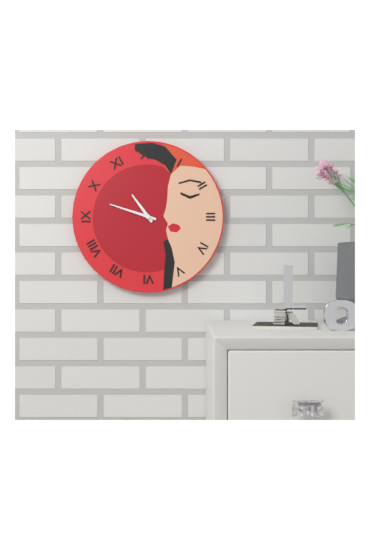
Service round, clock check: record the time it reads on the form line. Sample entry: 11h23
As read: 10h48
